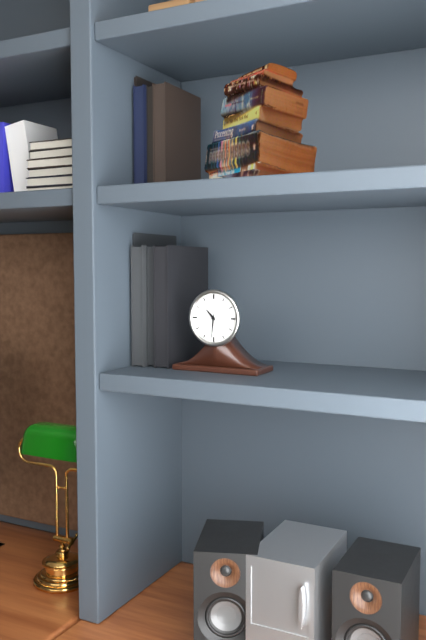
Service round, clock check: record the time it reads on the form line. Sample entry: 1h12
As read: 10h31
